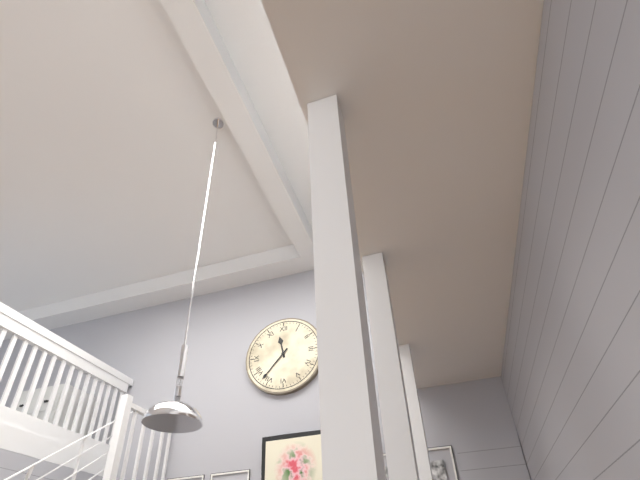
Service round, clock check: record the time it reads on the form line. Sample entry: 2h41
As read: 11h37
